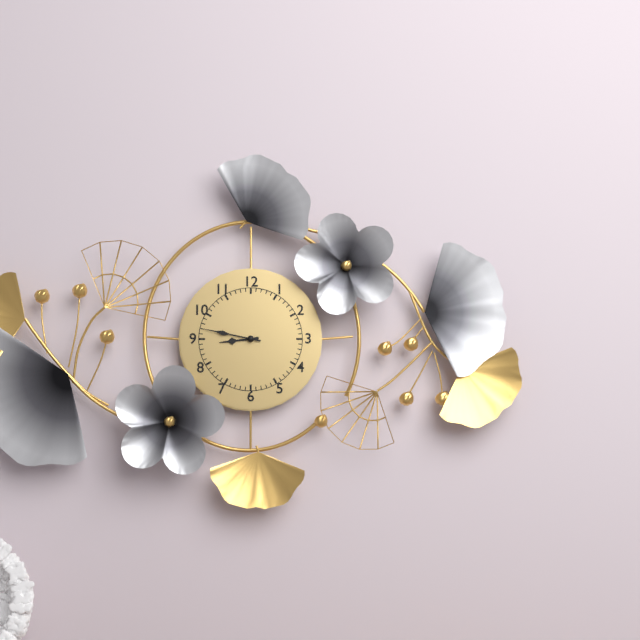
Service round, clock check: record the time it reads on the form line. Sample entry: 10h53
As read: 8h47
